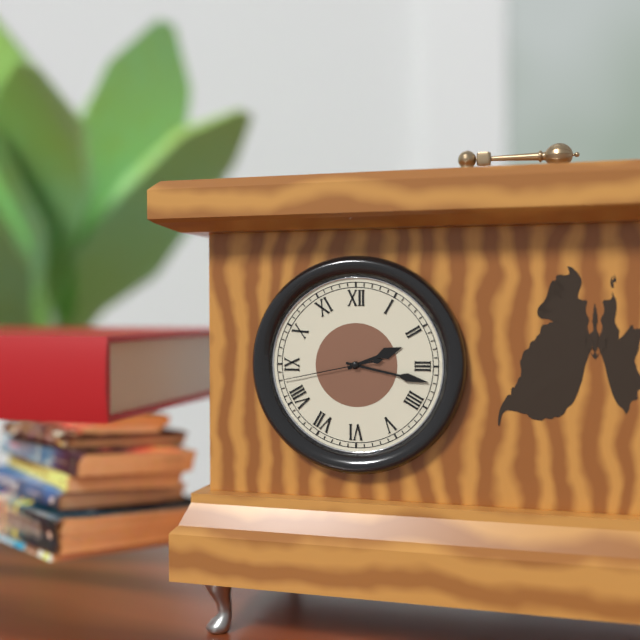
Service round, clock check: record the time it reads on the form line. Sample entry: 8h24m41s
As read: 2h17m43s
